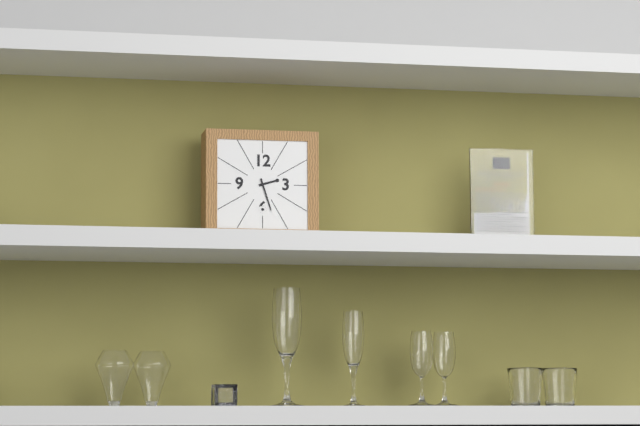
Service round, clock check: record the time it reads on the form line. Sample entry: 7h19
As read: 2h27
